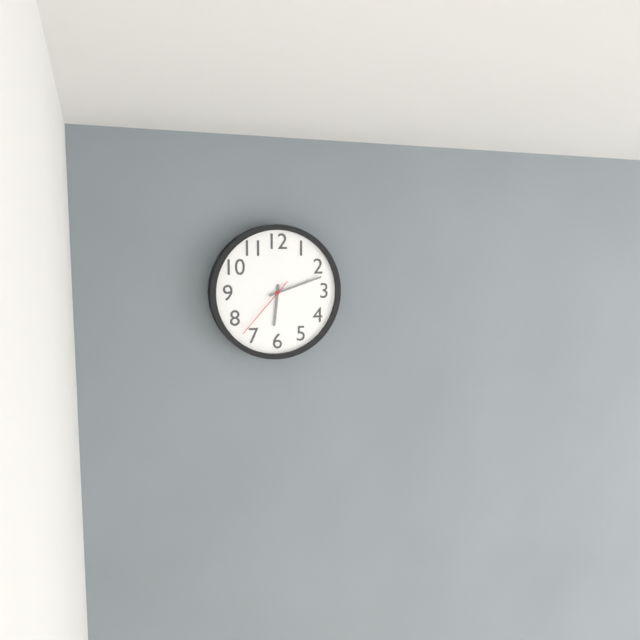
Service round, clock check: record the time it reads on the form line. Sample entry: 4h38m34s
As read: 6h12m37s
